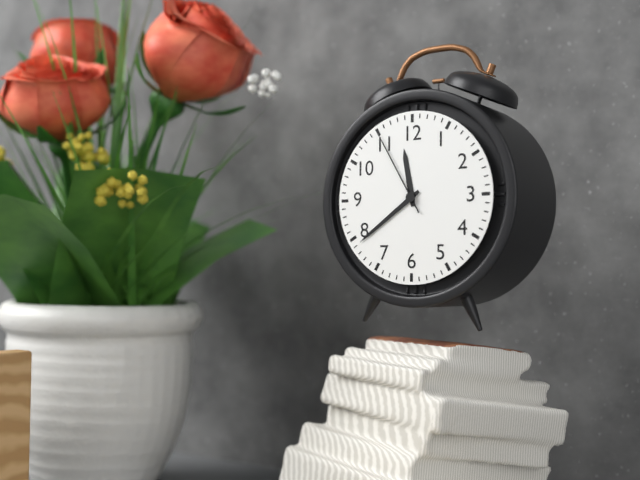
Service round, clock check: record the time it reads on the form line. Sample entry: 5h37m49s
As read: 11h39m55s
